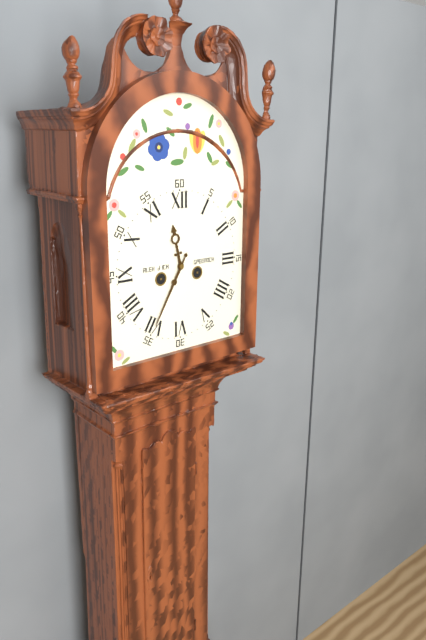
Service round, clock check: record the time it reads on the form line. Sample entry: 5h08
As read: 11h35
